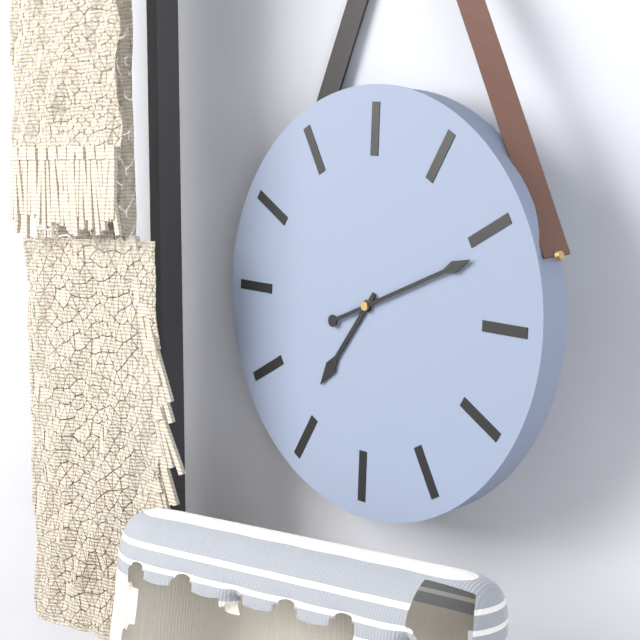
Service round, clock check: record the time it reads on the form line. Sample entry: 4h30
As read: 7h11
